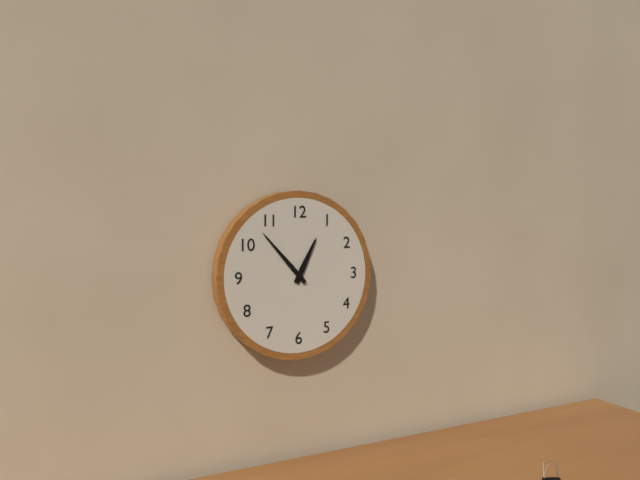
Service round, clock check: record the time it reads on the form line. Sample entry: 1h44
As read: 12h53
